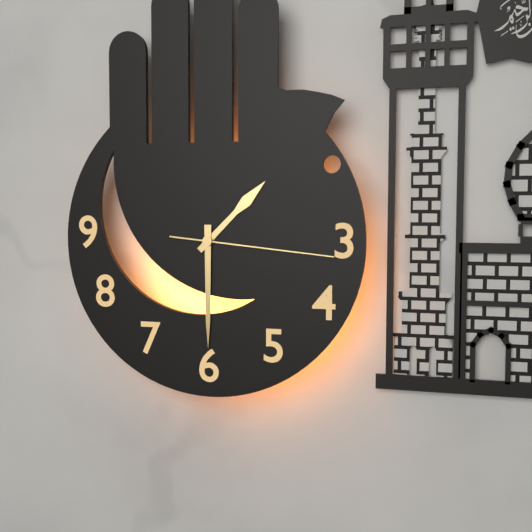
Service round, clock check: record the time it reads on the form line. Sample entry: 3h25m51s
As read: 1h30m16s
